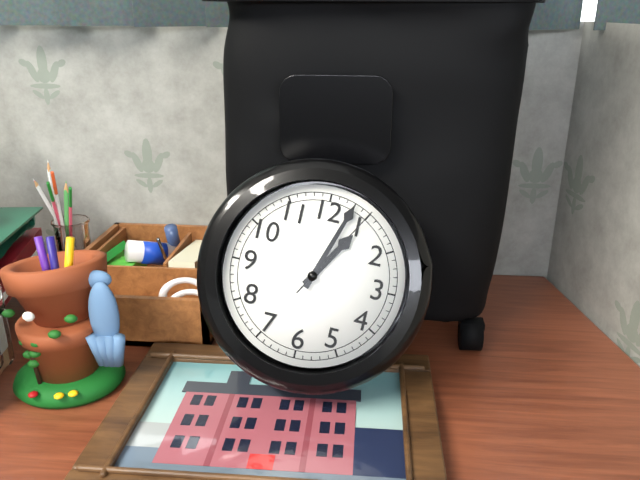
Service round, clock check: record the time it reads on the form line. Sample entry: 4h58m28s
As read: 1h03m05s
